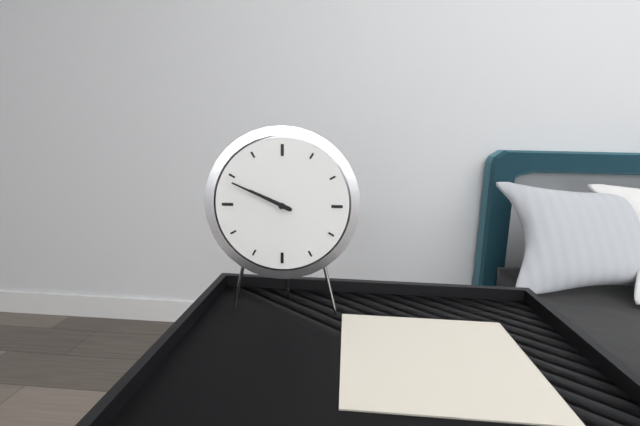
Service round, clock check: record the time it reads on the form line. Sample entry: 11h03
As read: 9h49
